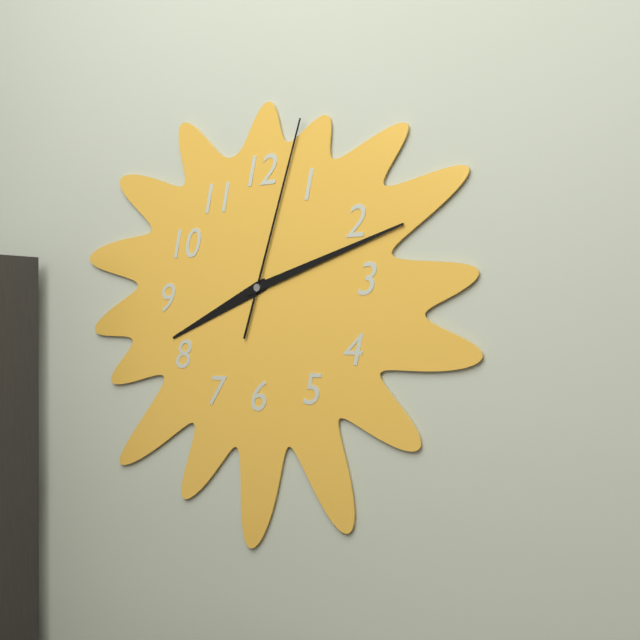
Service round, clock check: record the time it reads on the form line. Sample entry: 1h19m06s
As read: 8h12m03s
